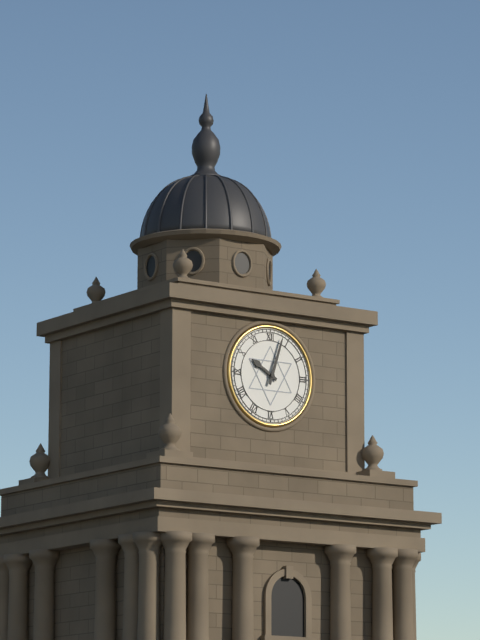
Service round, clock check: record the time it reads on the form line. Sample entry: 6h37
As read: 10h03
